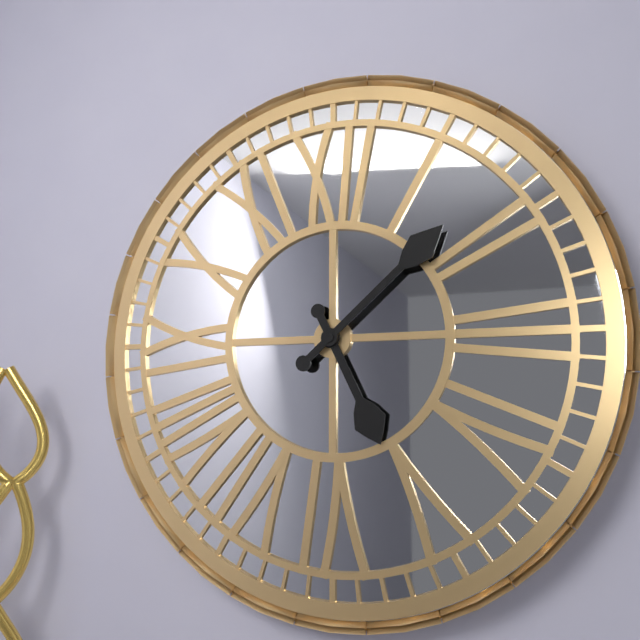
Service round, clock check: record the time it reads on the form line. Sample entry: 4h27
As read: 5h08
